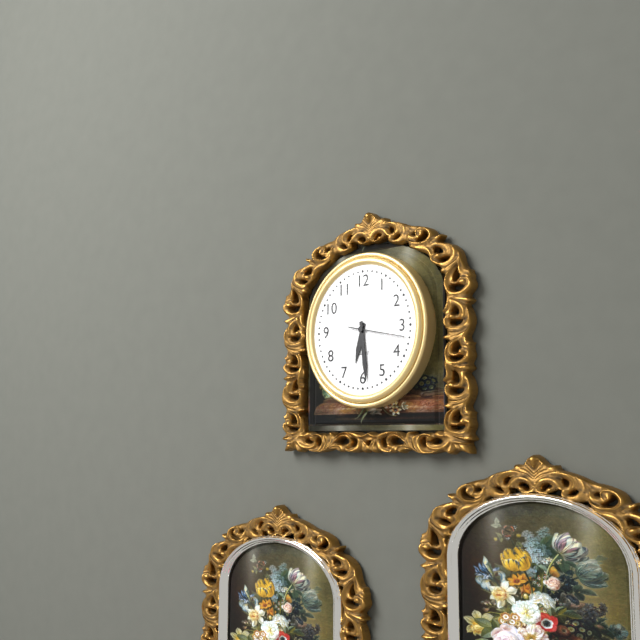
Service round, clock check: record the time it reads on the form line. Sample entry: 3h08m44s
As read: 6h29m17s
